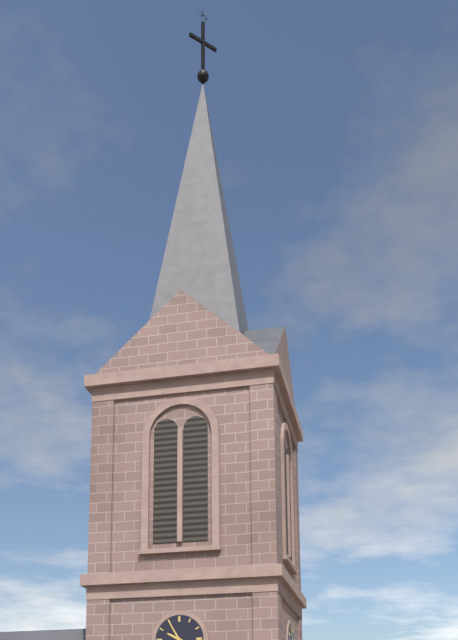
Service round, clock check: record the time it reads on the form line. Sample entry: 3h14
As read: 9h55
